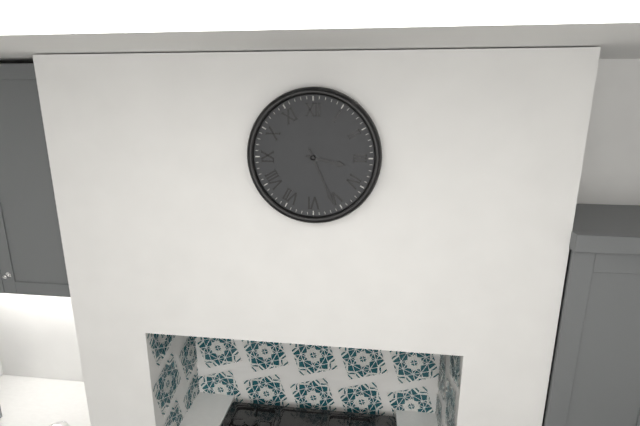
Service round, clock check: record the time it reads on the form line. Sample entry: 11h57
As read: 3h26
